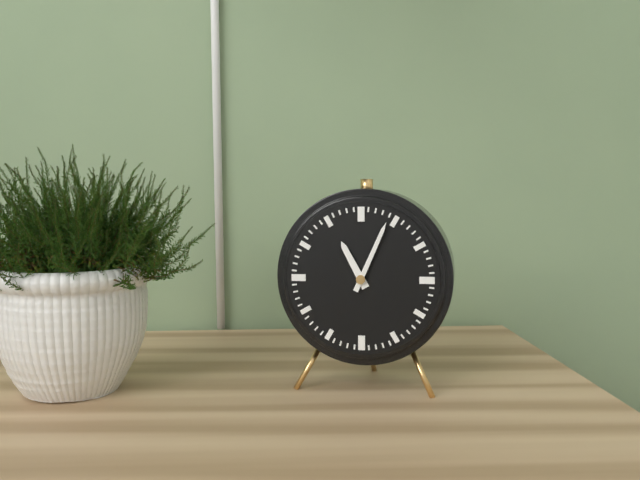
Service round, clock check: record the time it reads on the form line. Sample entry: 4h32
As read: 11h04
